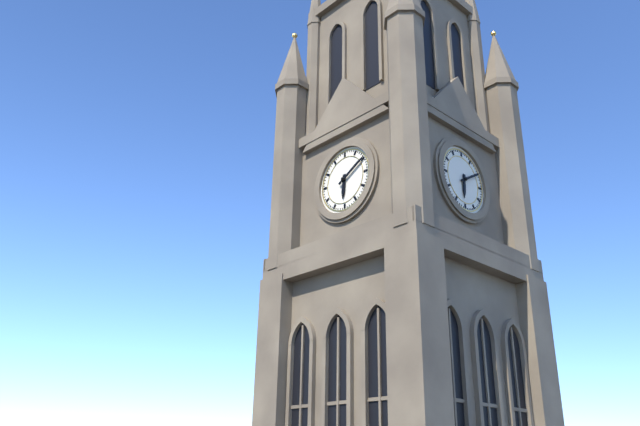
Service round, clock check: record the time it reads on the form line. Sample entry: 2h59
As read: 6h10
